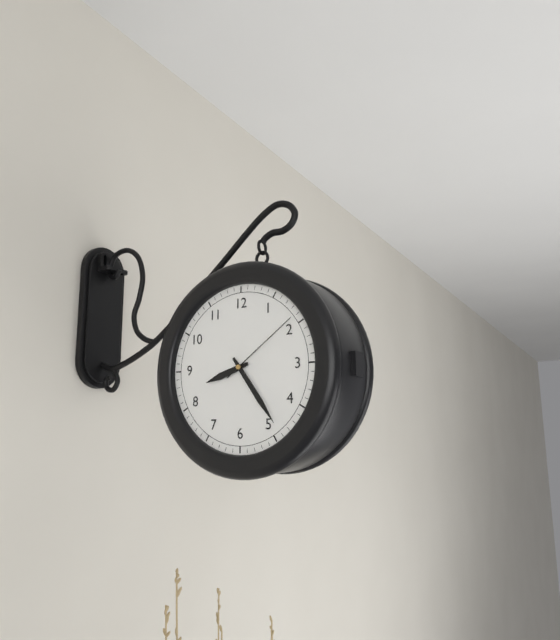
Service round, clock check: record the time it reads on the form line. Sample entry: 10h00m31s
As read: 8h24m09s
